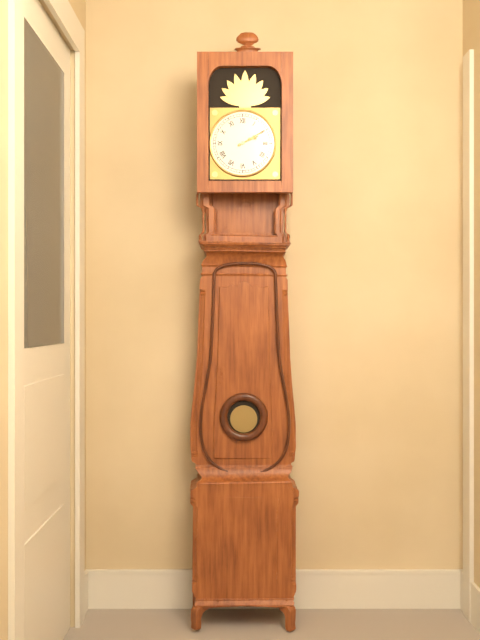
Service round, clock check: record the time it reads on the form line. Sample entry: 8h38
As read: 2h10
